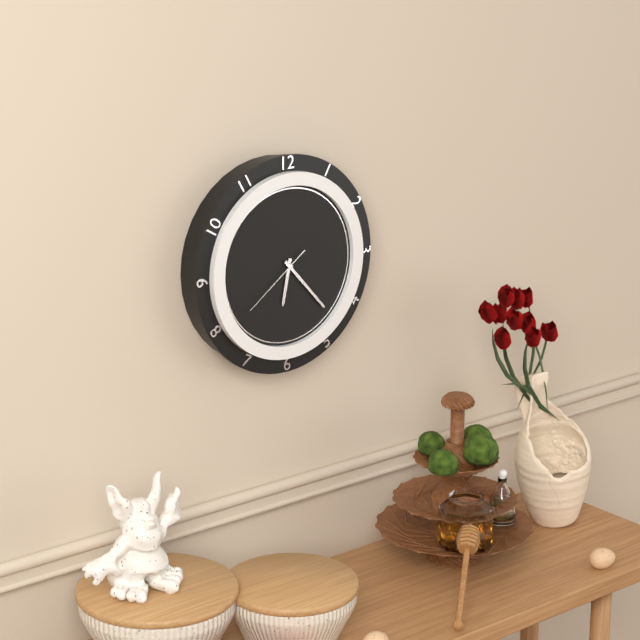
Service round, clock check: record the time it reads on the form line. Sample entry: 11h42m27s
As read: 6h23m39s
